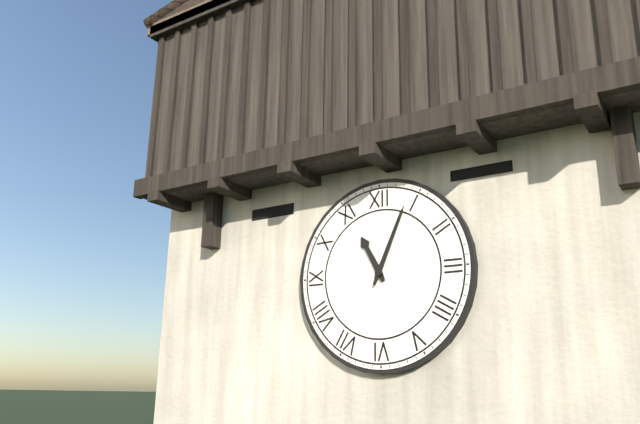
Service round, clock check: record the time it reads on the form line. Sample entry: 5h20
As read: 11h04
